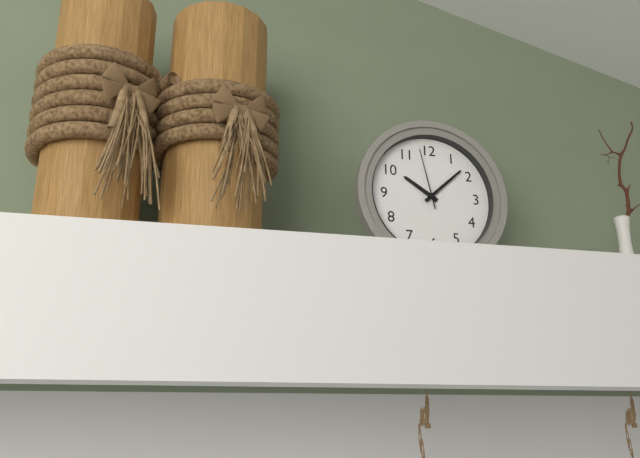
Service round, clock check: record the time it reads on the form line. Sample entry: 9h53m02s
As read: 10h08m58s
